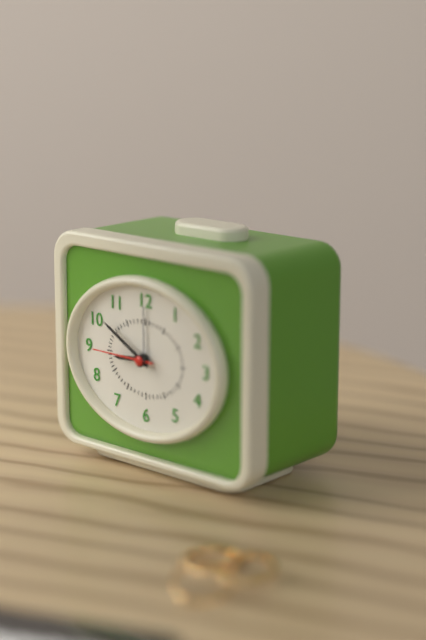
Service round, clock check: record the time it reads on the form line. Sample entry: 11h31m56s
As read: 8h50m45s
